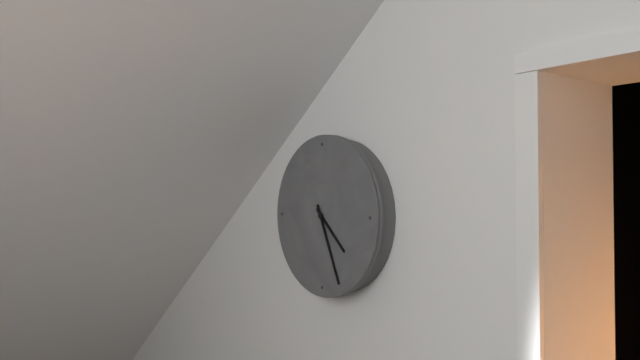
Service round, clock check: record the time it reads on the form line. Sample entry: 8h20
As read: 4h26
